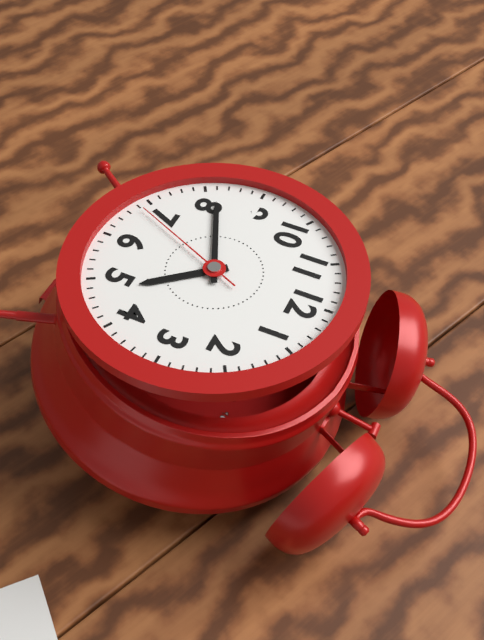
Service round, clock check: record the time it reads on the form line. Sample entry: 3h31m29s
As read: 4h41m34s
